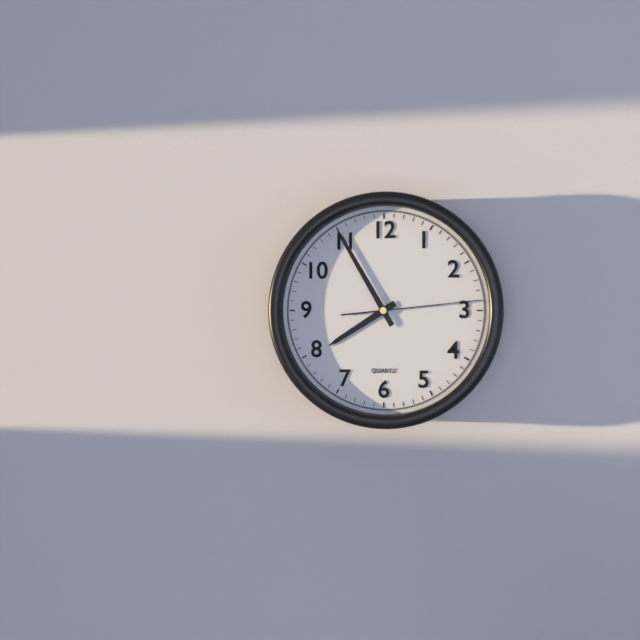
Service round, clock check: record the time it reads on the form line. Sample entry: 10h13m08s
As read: 7h55m14s
